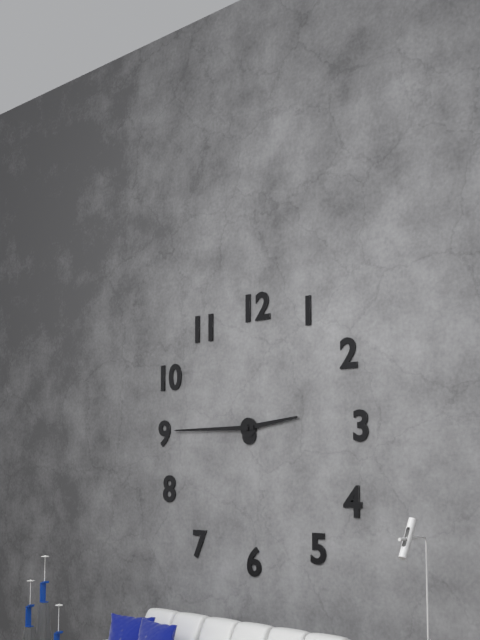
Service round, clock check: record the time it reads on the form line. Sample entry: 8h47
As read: 2h45
